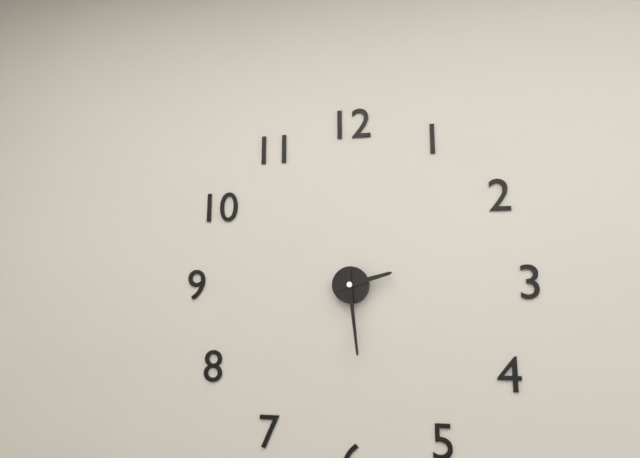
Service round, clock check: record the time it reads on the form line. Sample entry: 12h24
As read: 2h29
